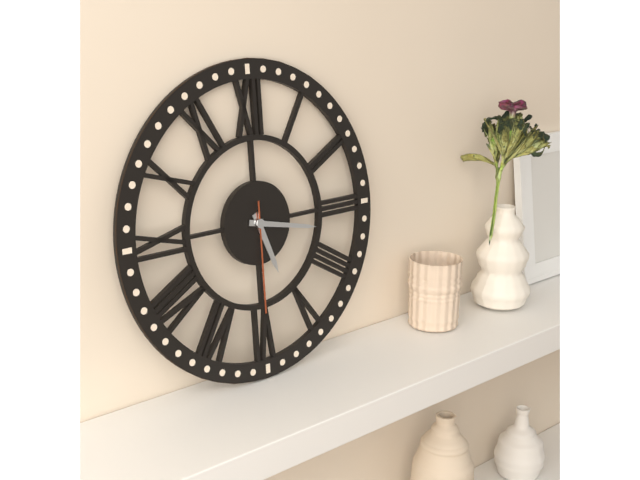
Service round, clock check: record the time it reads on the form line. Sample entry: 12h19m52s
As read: 5h17m30s
